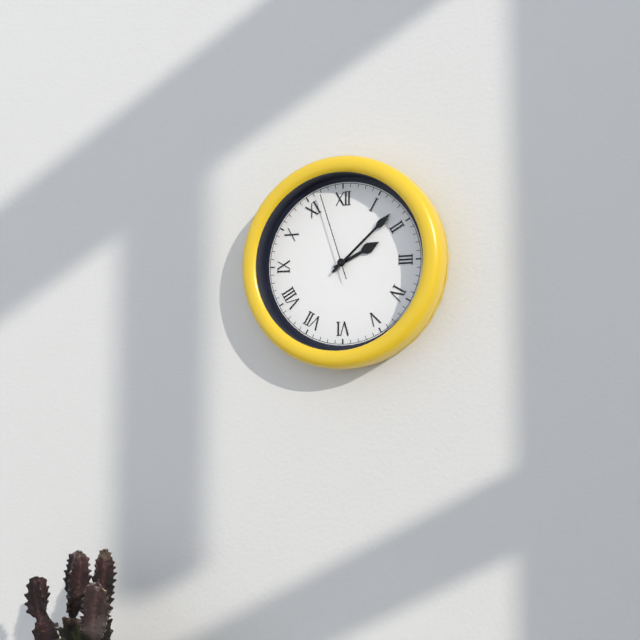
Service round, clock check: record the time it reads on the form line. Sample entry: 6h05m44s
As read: 2h08m57s
